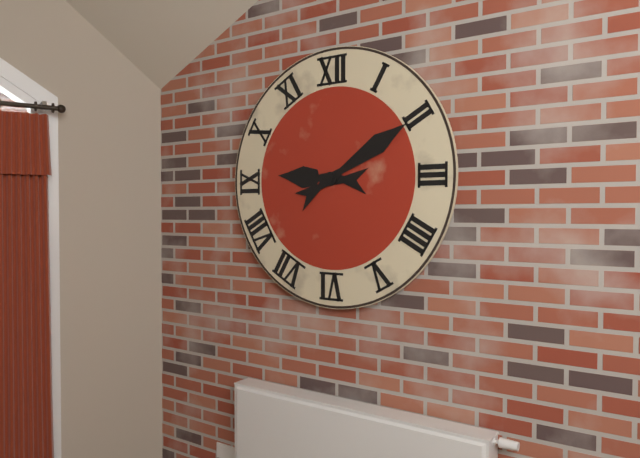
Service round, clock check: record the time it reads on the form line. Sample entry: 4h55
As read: 9h10
